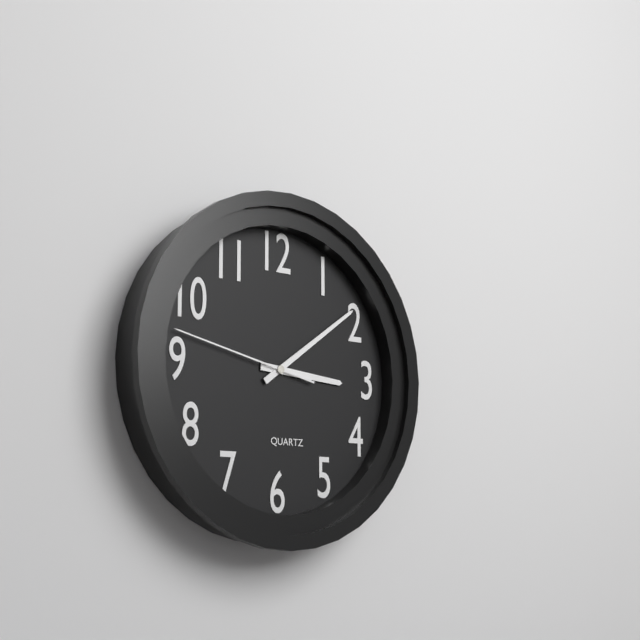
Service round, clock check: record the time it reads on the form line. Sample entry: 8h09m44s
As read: 3h09m47s
